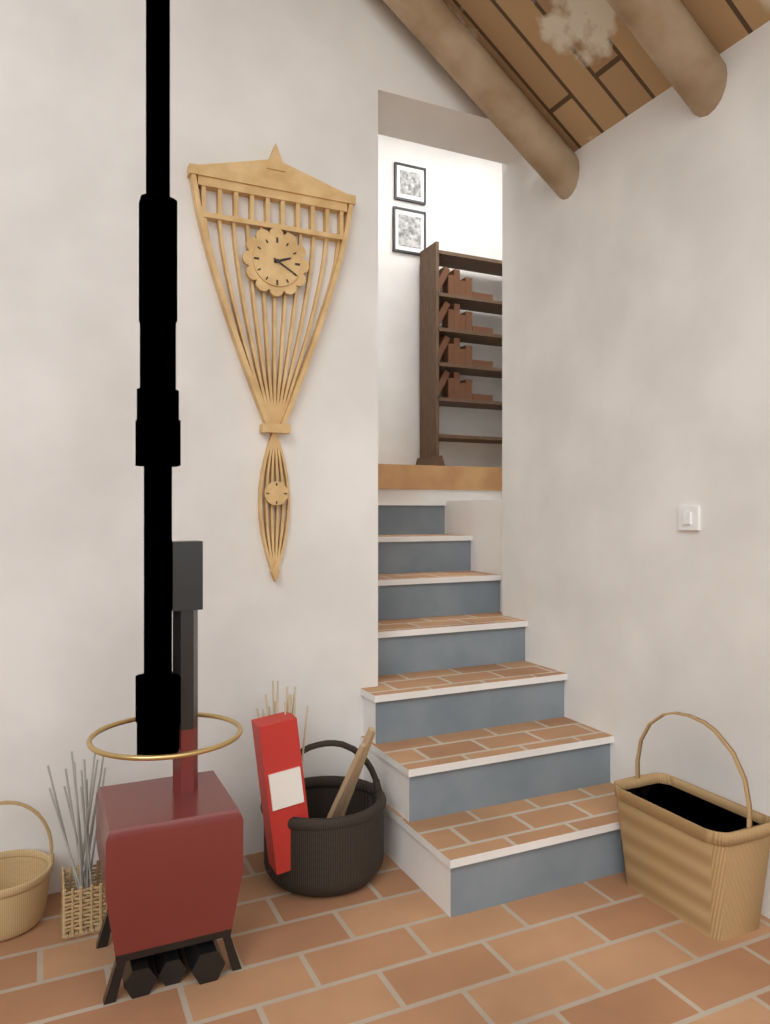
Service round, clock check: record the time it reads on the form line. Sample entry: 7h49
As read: 2h20
